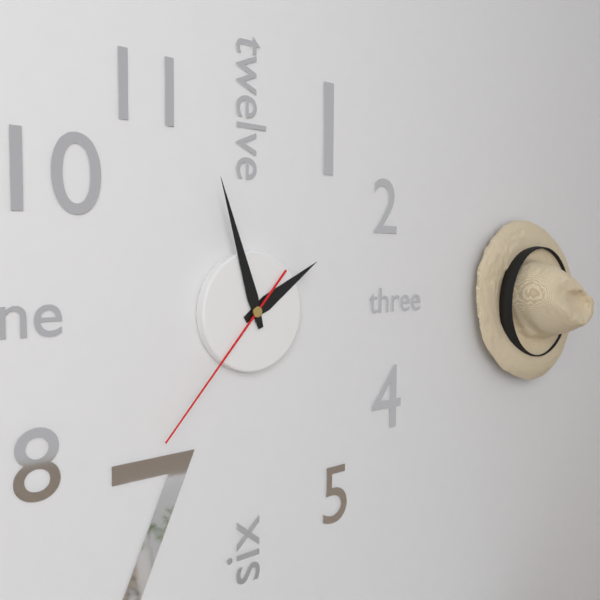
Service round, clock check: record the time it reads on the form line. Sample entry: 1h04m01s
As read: 1h57m37s
